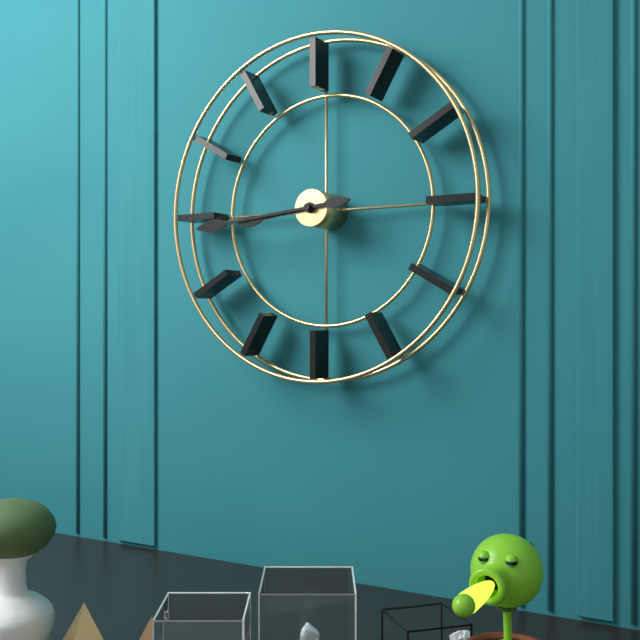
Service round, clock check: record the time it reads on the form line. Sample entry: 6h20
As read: 8h44
